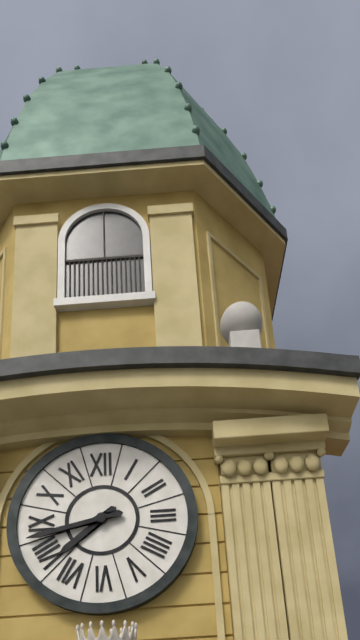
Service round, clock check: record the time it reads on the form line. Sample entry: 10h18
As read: 7h43
